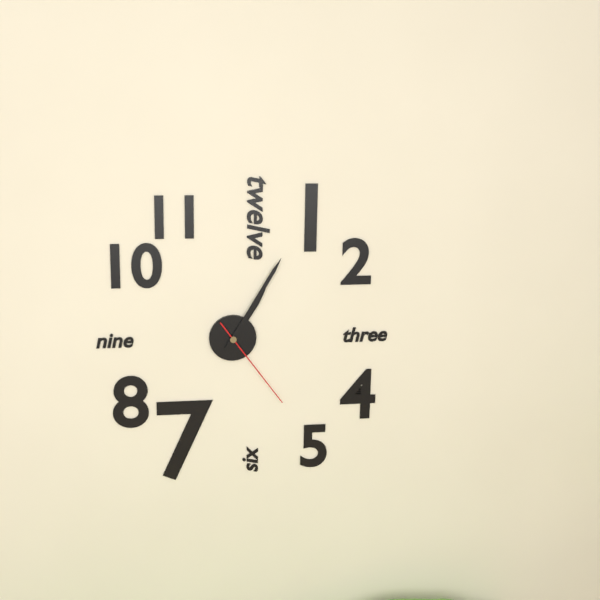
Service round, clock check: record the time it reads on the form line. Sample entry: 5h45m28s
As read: 1h05m24s
